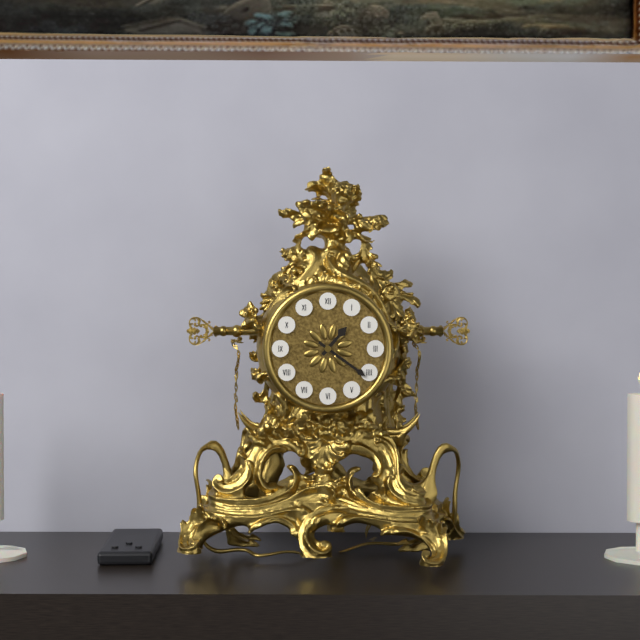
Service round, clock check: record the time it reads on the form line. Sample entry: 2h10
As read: 1h21
